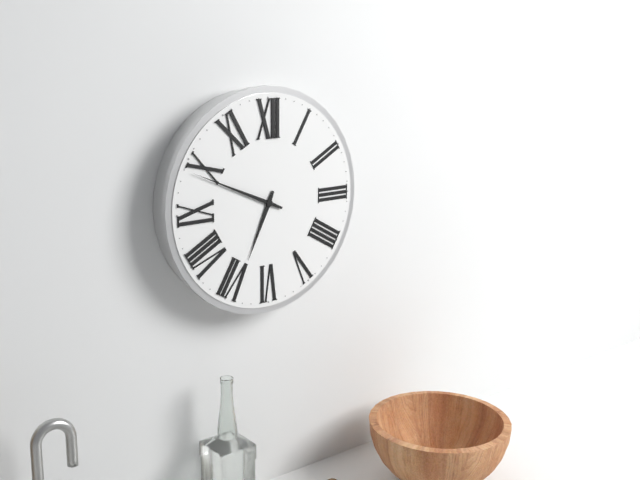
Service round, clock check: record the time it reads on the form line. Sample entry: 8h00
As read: 6h49
